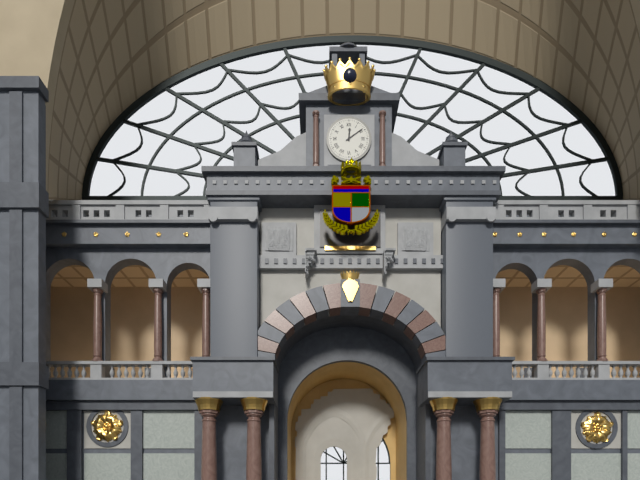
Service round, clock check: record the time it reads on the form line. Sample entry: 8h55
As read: 12h09
